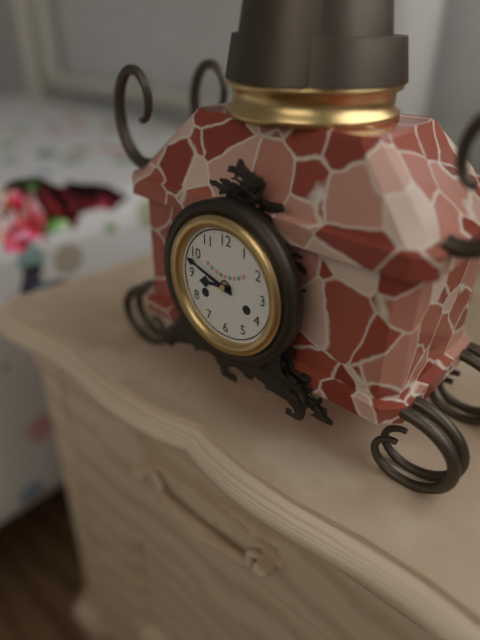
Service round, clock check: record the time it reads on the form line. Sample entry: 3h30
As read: 8h48
